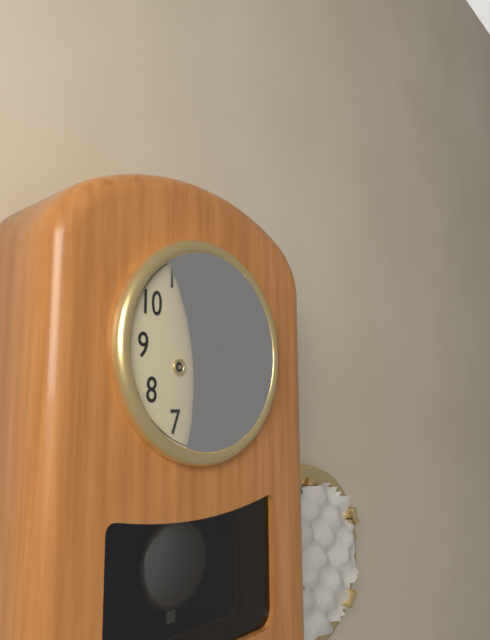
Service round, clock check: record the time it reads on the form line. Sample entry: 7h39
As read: 1h11
